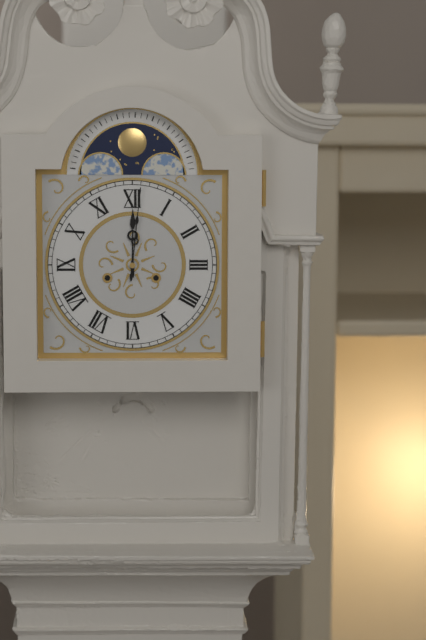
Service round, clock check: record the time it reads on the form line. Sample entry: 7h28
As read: 12h01
